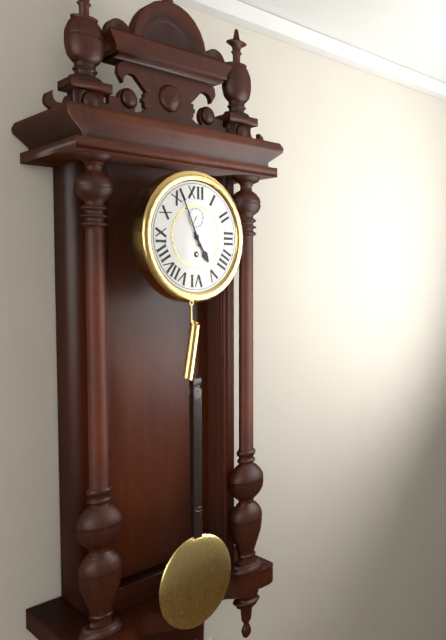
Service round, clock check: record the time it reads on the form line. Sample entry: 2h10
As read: 4h56
